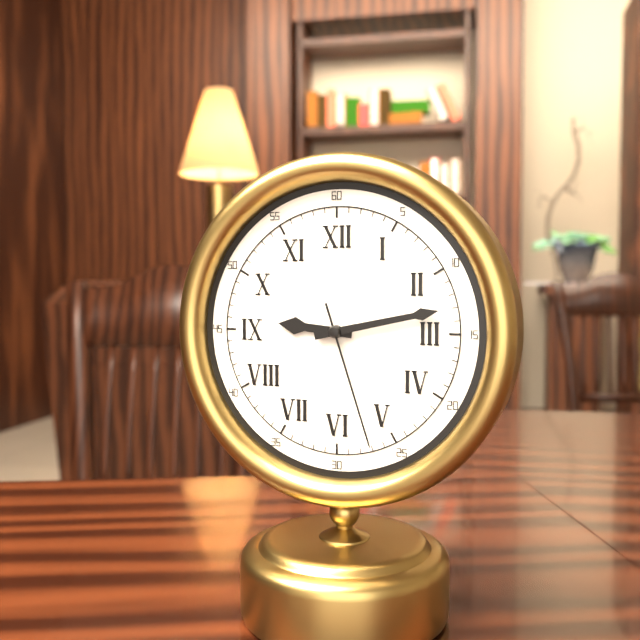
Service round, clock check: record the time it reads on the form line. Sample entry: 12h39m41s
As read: 9h13m27s
